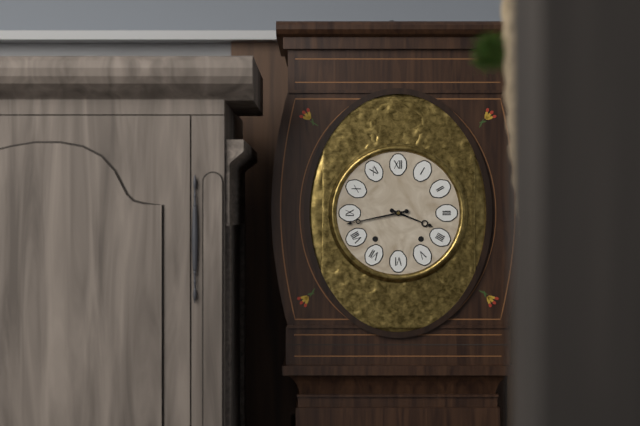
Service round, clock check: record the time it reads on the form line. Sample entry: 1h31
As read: 3h43
